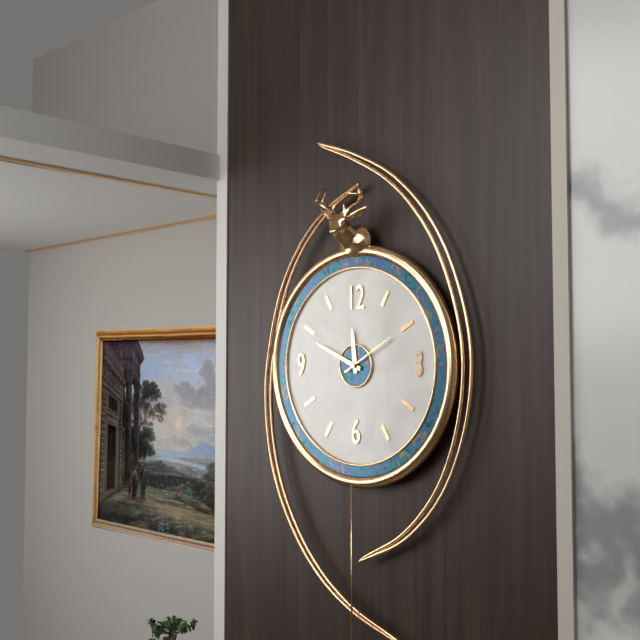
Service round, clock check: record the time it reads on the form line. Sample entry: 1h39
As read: 11h49
